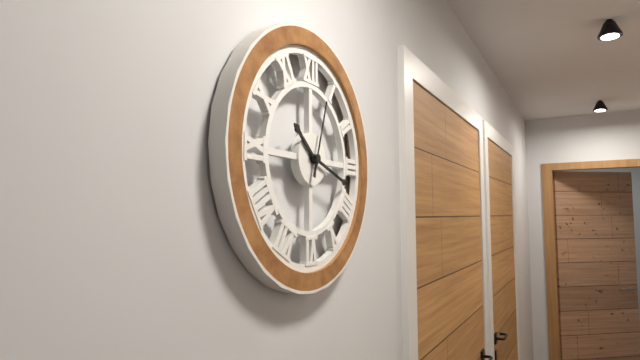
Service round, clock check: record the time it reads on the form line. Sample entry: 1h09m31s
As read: 10h18m03s
